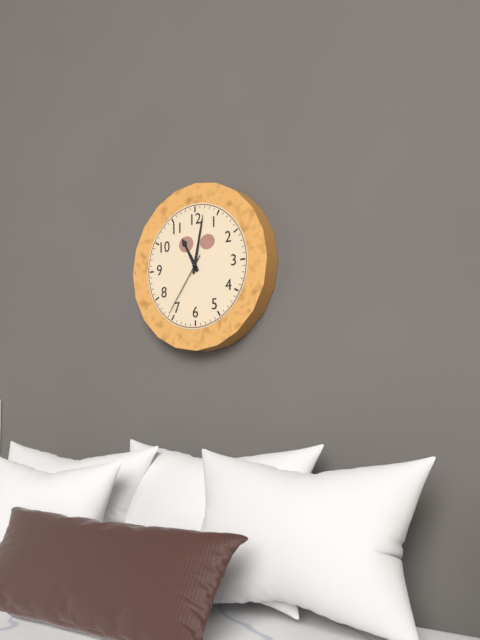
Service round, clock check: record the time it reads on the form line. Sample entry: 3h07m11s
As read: 11h02m36s
